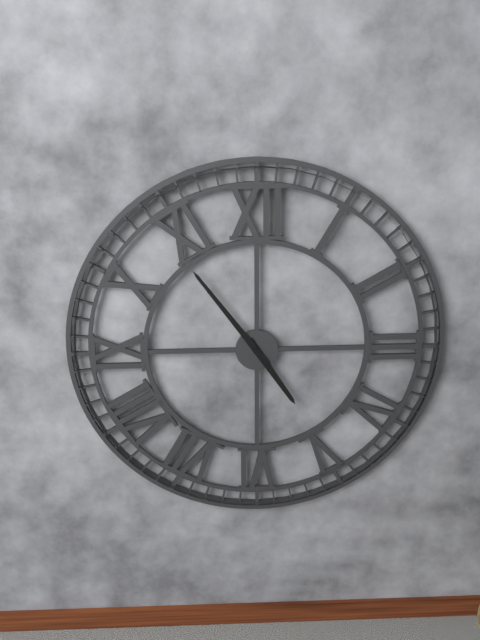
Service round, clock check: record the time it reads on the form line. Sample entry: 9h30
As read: 4h54
